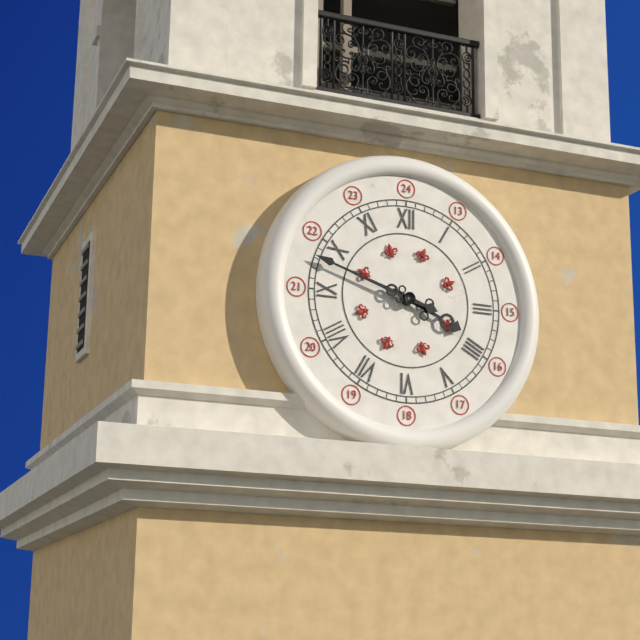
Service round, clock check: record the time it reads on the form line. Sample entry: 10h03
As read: 3h48
